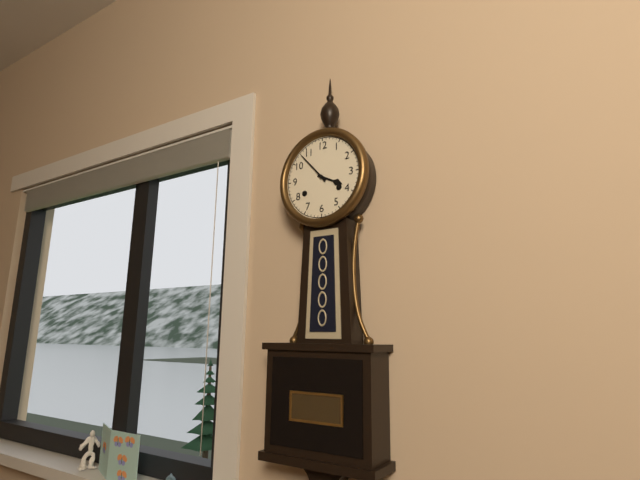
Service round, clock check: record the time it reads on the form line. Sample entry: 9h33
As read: 3h53
